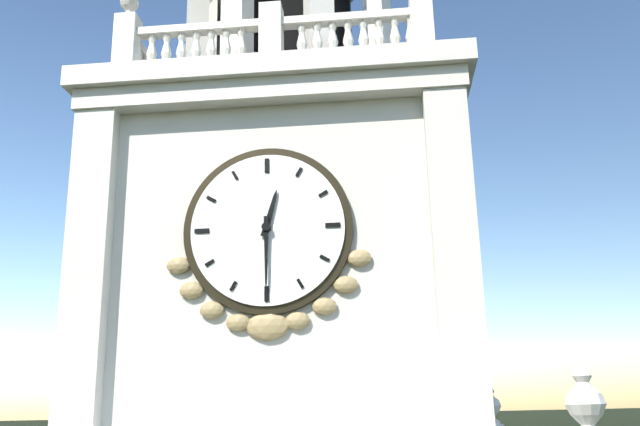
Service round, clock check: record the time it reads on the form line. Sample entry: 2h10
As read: 12h30
